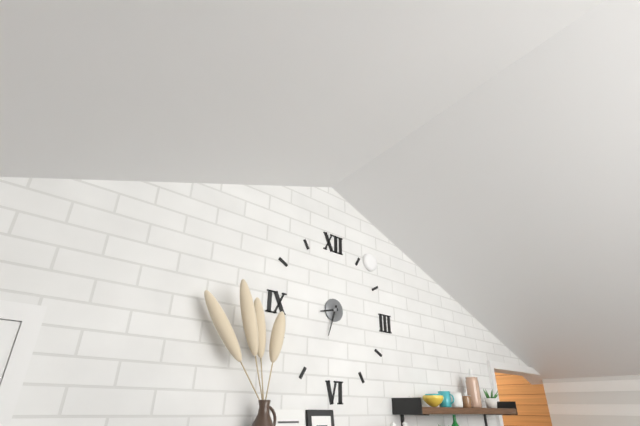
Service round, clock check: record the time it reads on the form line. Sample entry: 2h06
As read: 8h33
